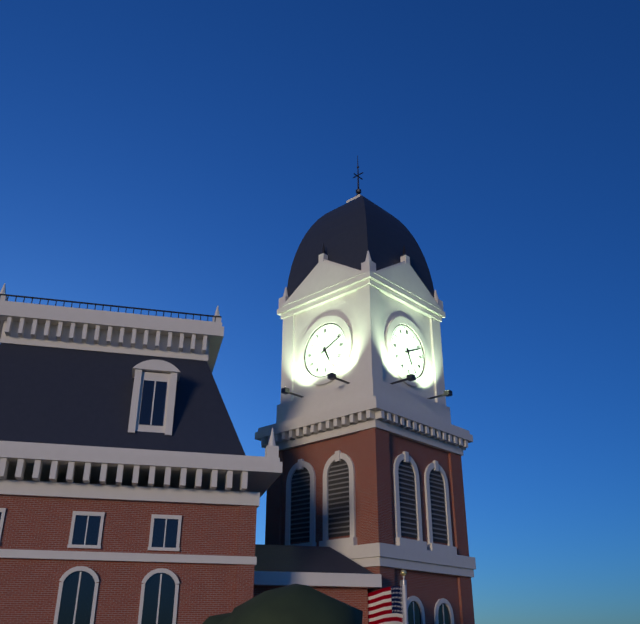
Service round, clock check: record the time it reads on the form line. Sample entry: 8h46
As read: 5h11
